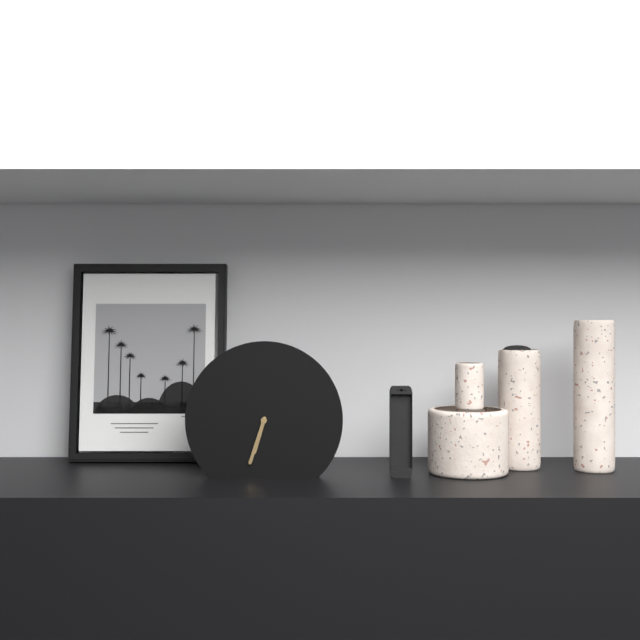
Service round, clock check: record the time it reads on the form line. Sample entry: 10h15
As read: 6h33
